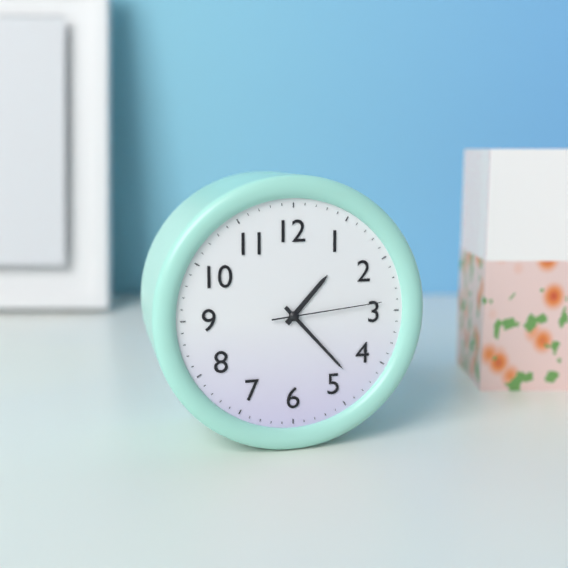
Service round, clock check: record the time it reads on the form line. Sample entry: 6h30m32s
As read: 1h23m14s
